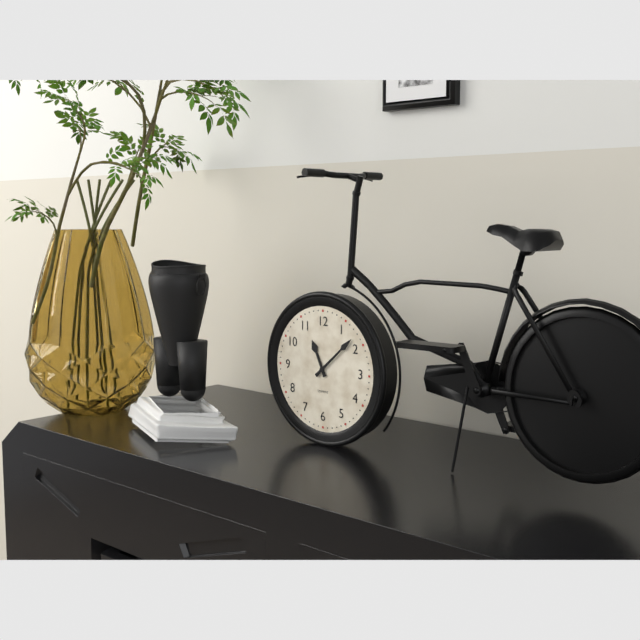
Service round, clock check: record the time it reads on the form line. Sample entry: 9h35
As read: 11h08
